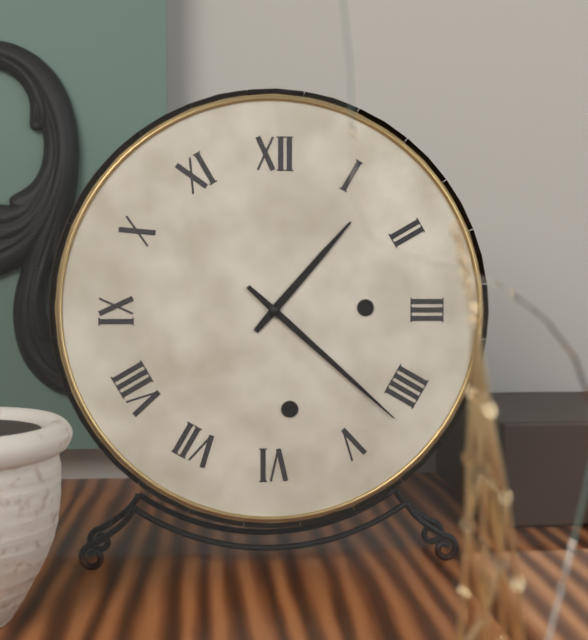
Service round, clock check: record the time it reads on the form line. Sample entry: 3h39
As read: 1h22
